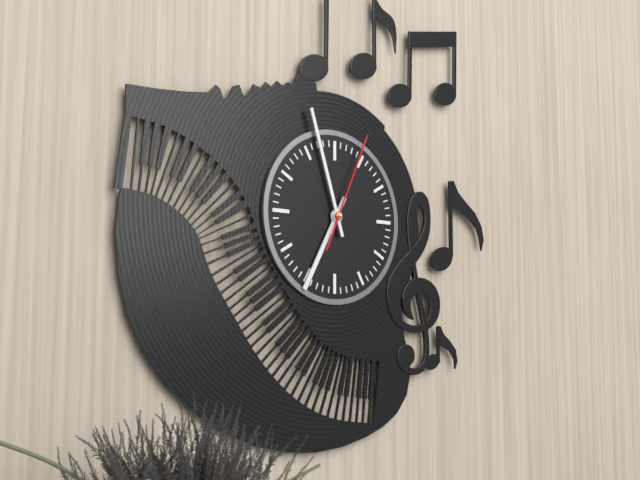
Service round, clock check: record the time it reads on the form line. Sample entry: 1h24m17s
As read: 6h57m04s
